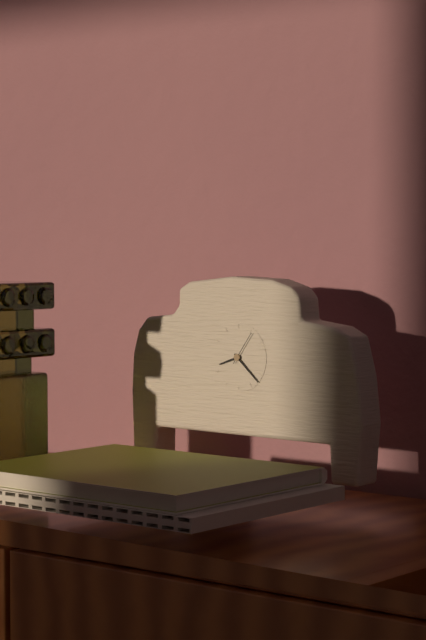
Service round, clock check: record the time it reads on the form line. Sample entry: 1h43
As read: 8h22
